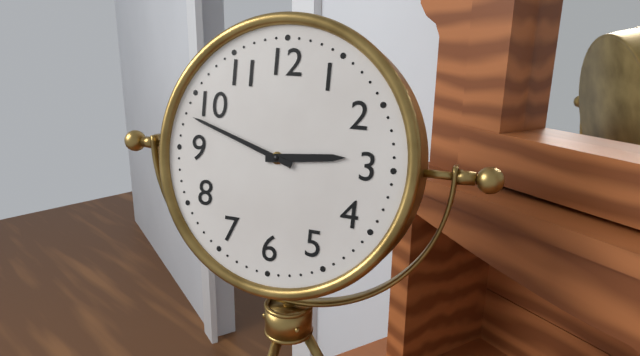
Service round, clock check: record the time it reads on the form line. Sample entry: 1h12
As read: 2h48
